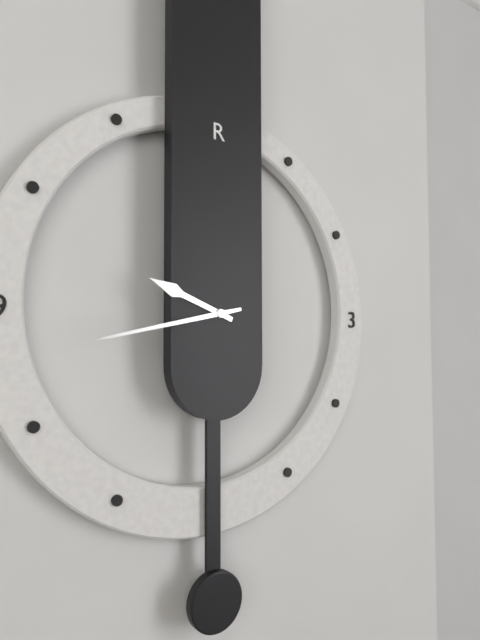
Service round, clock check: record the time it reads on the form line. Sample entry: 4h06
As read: 9h43
